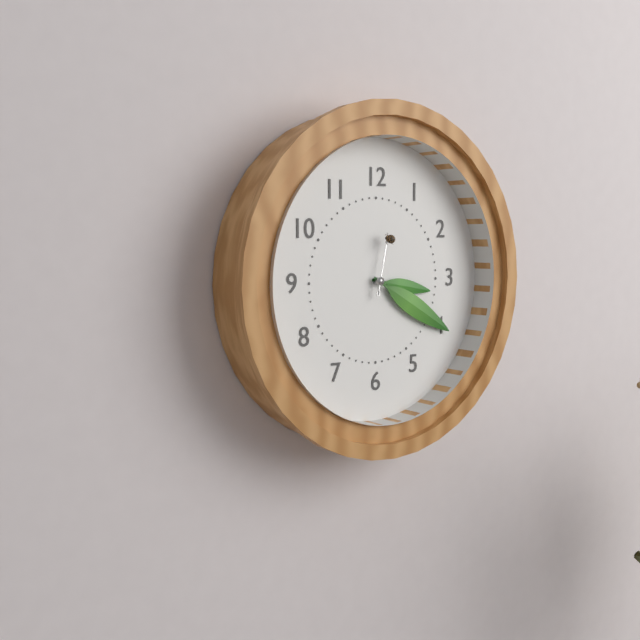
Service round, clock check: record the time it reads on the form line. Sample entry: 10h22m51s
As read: 3h20m02s
